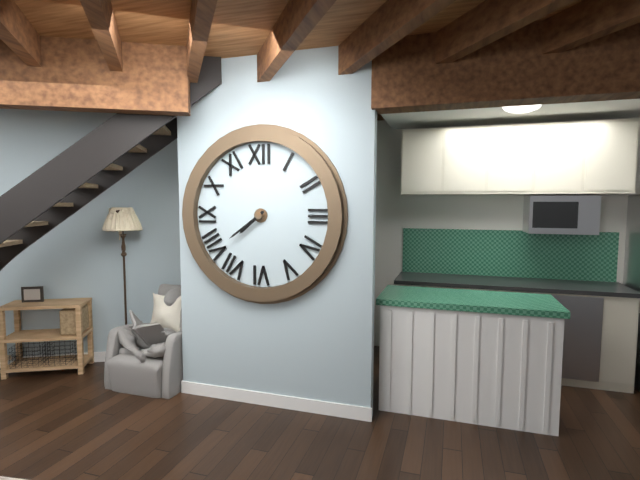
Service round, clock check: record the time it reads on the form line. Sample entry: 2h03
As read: 7h39
